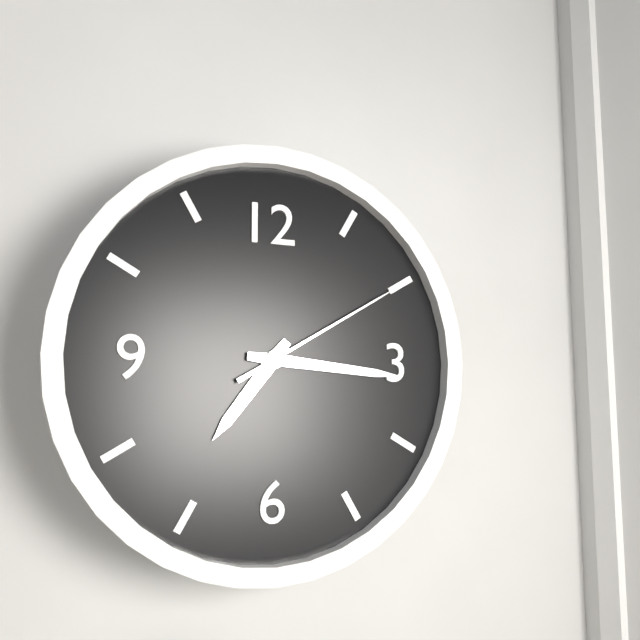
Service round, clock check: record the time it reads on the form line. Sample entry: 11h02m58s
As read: 7h16m10s
